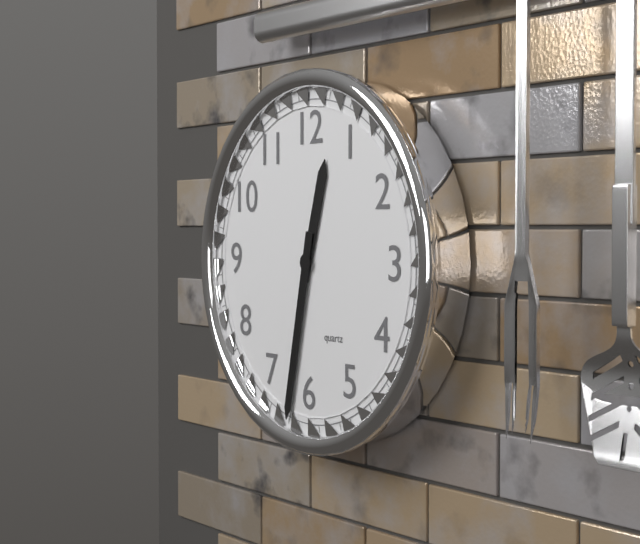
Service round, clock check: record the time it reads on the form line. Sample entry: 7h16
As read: 12h32
